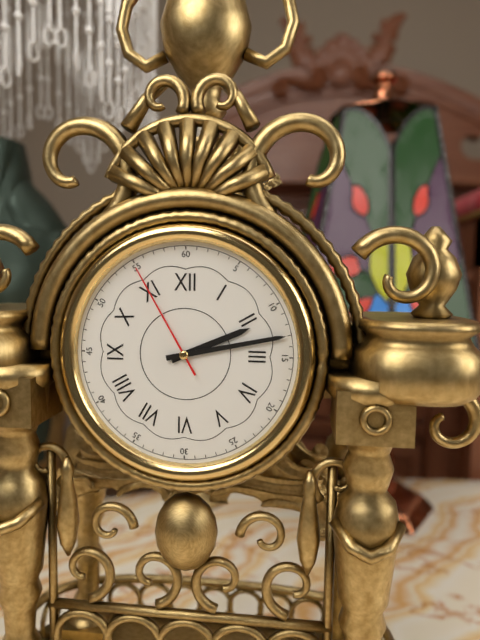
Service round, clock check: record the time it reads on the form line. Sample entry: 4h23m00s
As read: 2h13m55s
